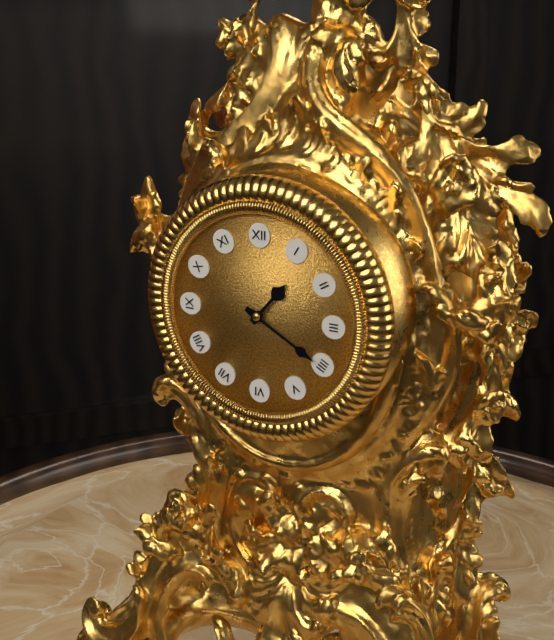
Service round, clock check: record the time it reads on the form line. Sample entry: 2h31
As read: 1h20
